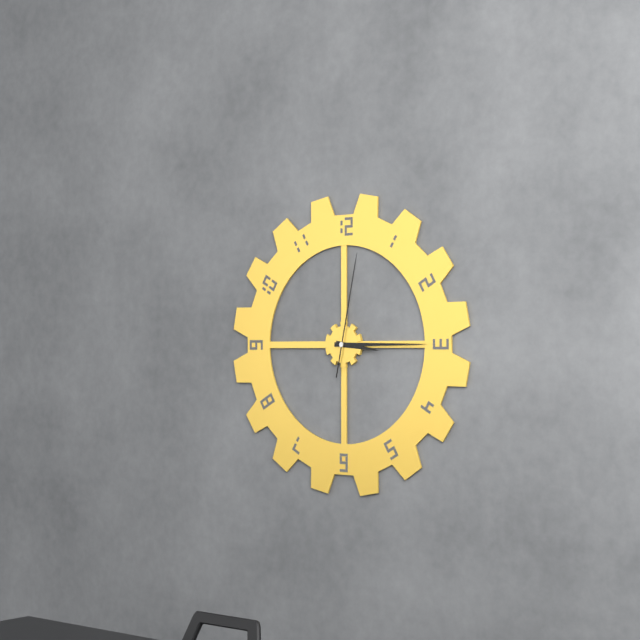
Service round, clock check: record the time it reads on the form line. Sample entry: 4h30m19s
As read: 3h15m02s
